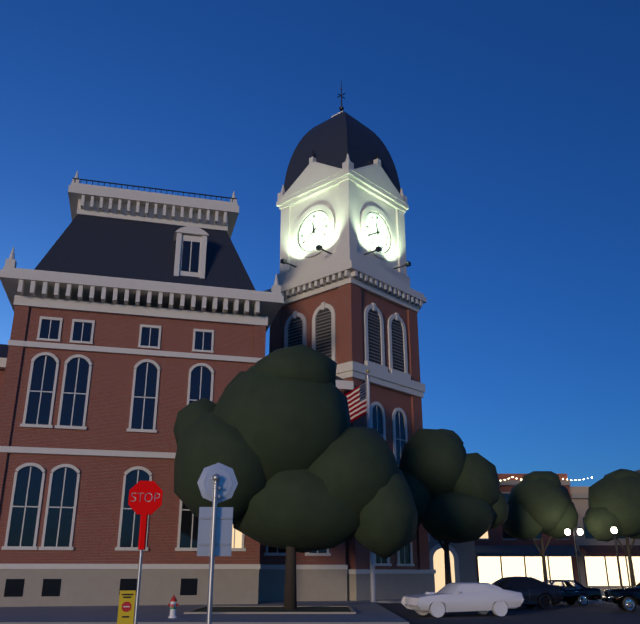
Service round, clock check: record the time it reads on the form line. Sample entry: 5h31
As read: 11h40
